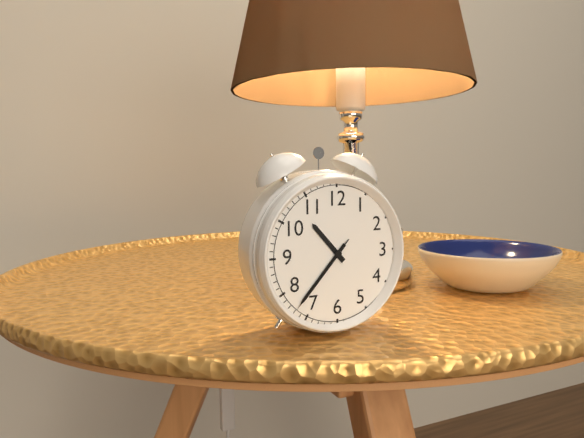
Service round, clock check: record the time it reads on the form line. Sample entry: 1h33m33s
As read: 10h37m37s
